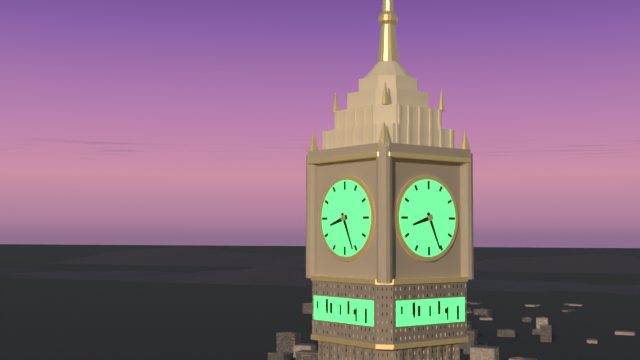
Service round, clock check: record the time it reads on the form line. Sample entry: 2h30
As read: 8h26
